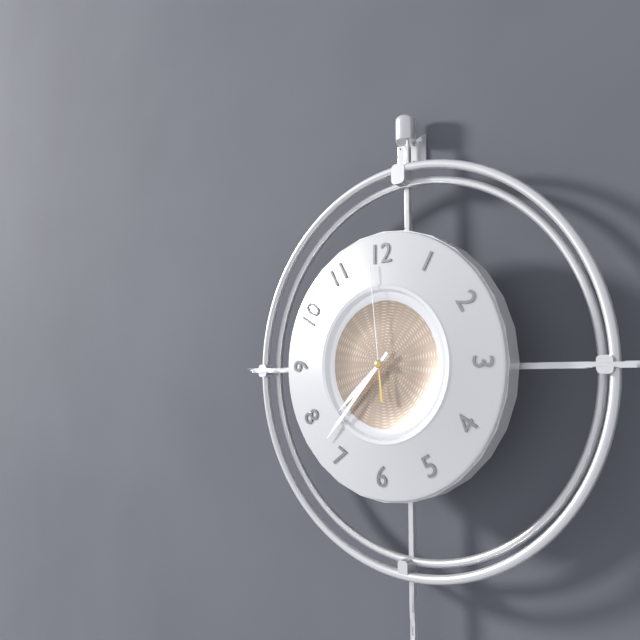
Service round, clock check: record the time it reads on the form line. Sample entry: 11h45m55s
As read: 7h37m59s
